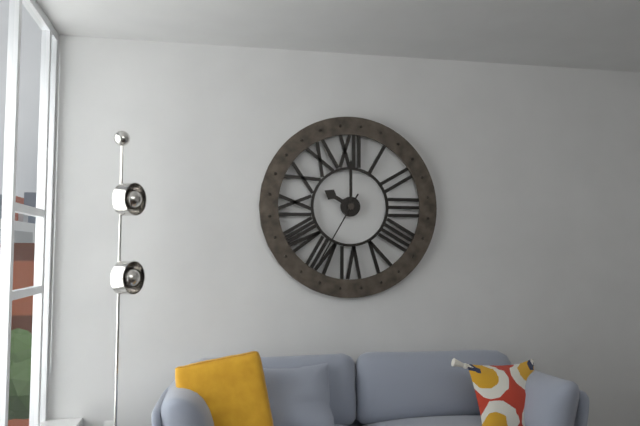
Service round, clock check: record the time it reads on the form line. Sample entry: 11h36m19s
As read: 10h00m35s
